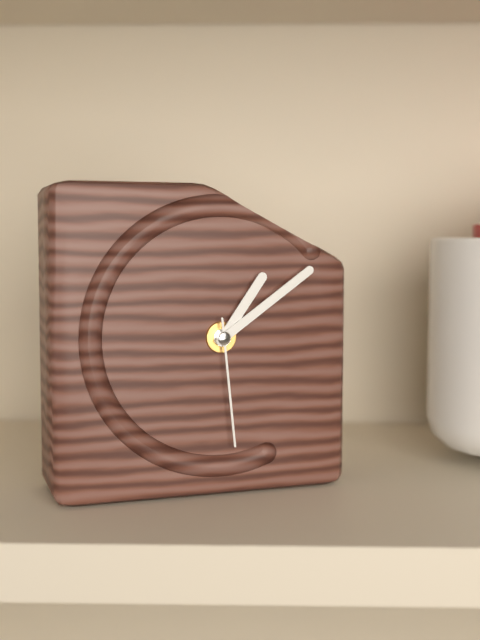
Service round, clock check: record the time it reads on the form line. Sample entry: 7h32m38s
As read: 1h09m29s
